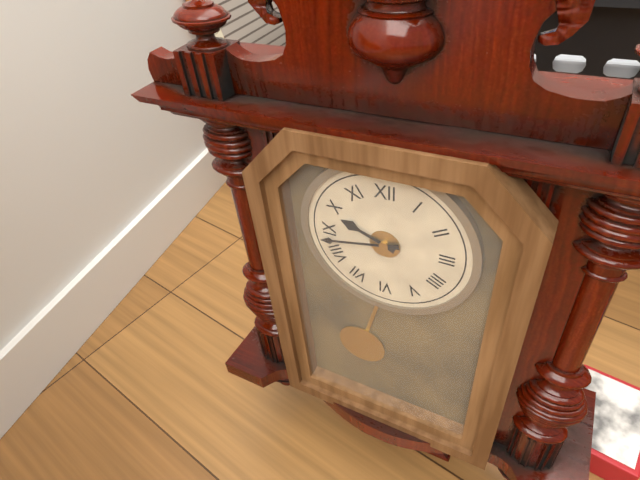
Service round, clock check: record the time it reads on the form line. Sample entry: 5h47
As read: 9h43
